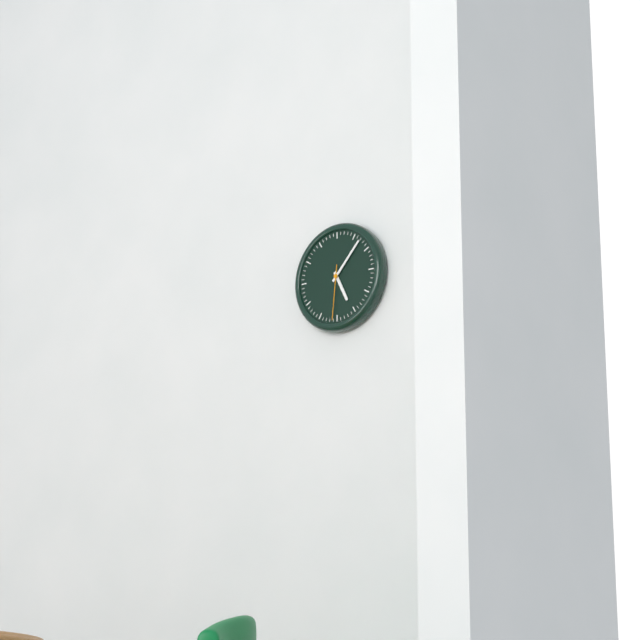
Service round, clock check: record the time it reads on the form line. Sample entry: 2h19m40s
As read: 5h07m31s
